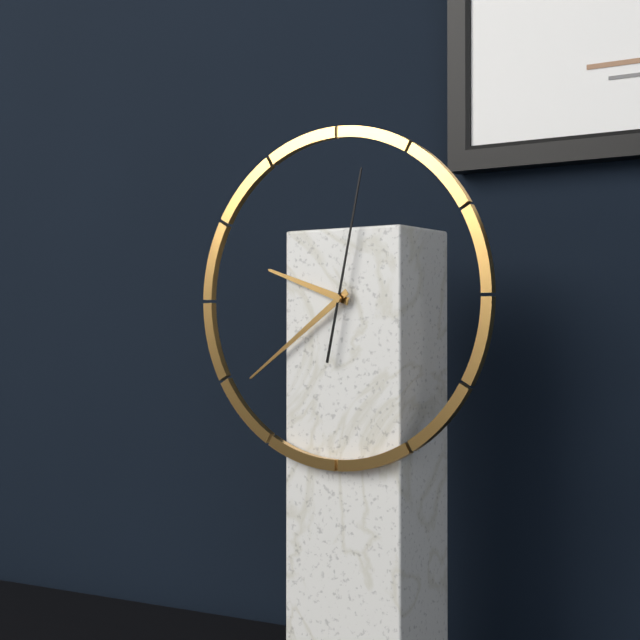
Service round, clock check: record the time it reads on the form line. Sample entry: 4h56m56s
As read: 9h39m02s
